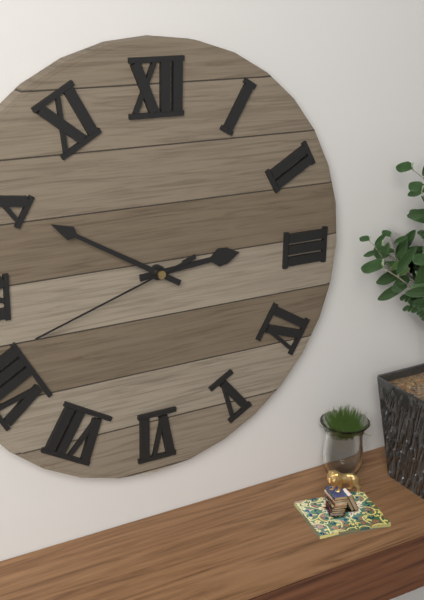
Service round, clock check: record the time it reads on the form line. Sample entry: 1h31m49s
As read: 2h50m42s
